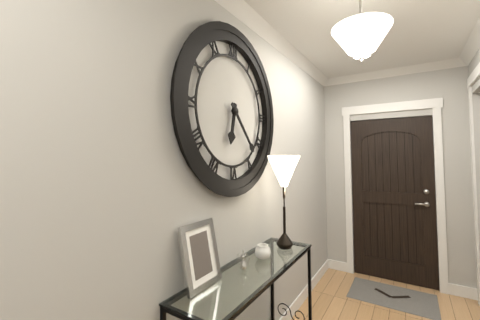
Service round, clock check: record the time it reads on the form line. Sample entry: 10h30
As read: 6h23
